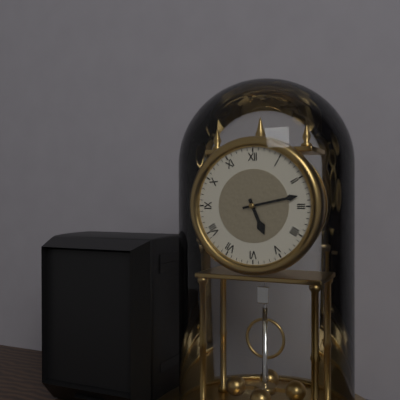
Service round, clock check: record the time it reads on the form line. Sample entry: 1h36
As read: 5h13
